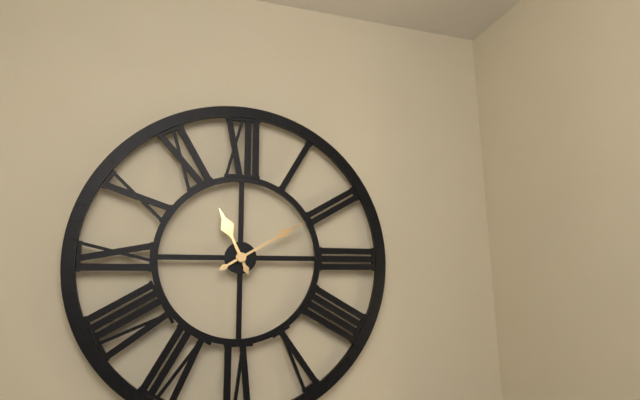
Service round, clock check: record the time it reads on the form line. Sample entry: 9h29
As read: 11h10
